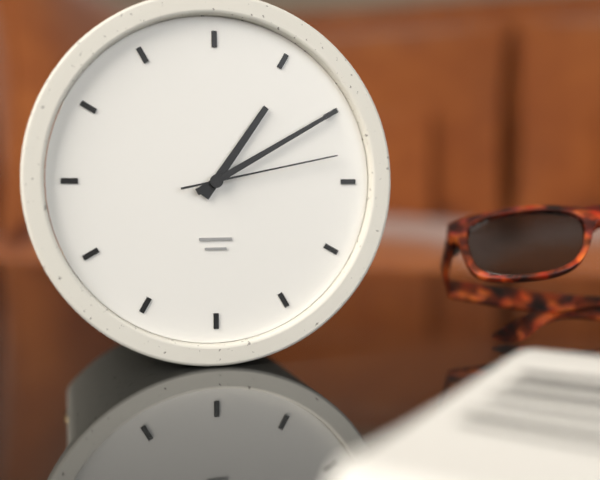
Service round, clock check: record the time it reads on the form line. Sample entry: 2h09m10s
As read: 1h10m13s
